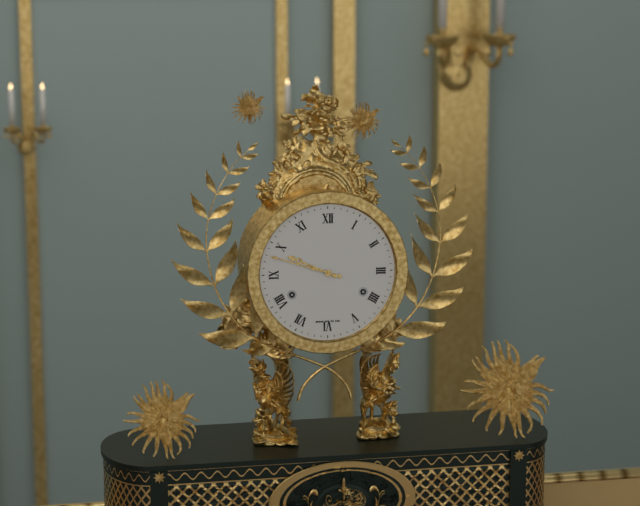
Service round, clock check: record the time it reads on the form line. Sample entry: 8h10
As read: 9h48
